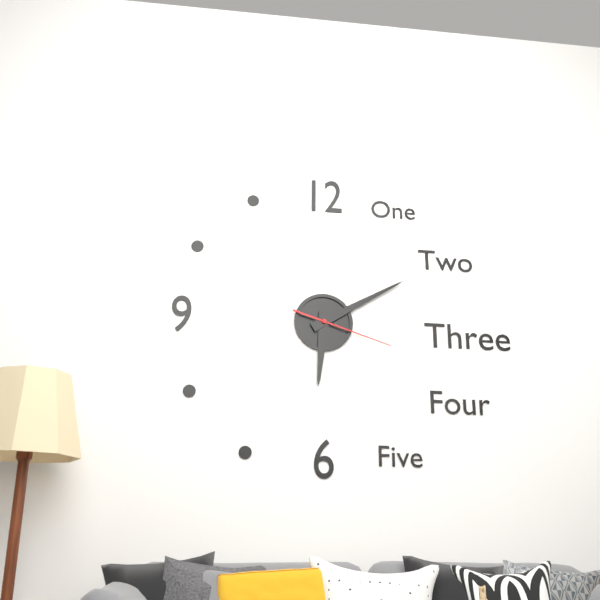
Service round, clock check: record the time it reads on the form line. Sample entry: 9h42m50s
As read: 6h10m18s
